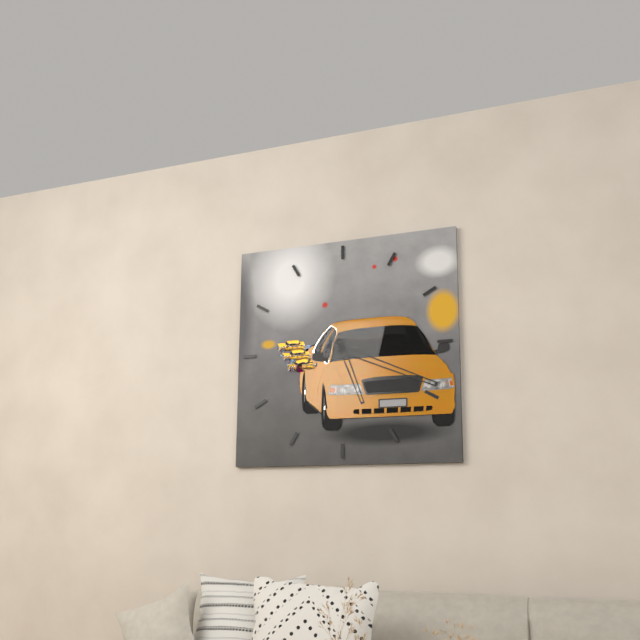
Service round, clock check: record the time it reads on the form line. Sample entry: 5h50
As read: 5h19
